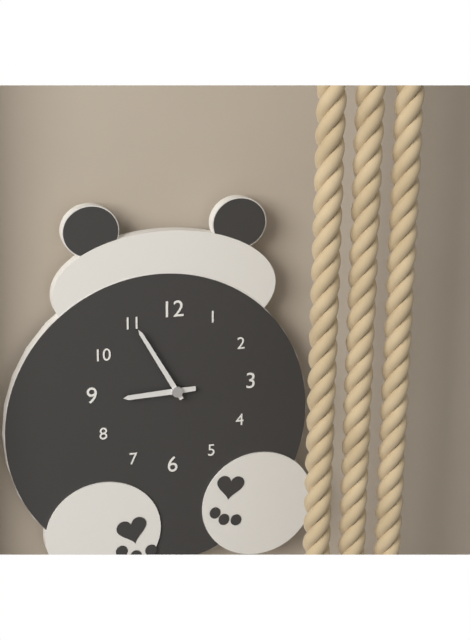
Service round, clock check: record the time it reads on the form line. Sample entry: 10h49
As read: 8h55
